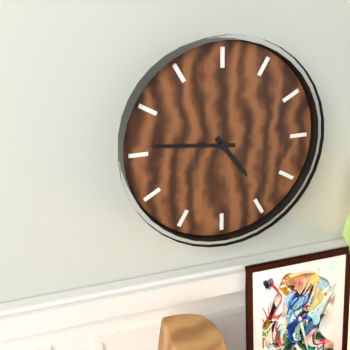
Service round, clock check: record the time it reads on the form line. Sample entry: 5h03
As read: 4h46
